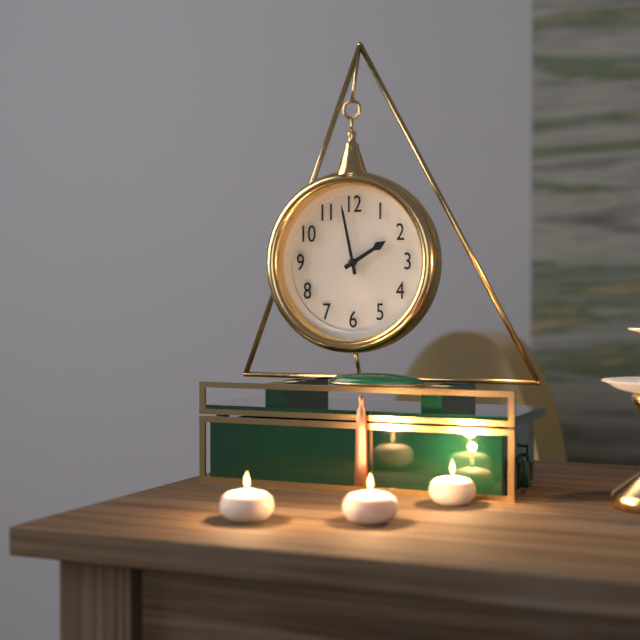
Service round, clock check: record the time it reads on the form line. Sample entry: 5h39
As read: 1h58
